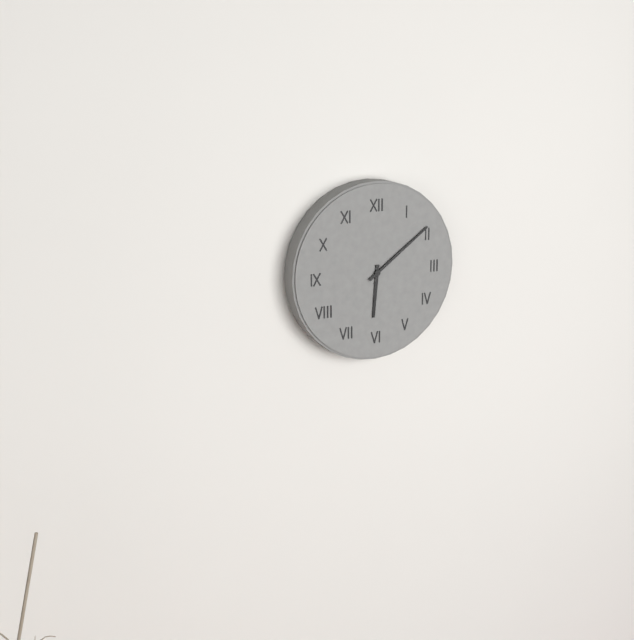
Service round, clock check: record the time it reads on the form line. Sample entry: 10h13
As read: 6h09
